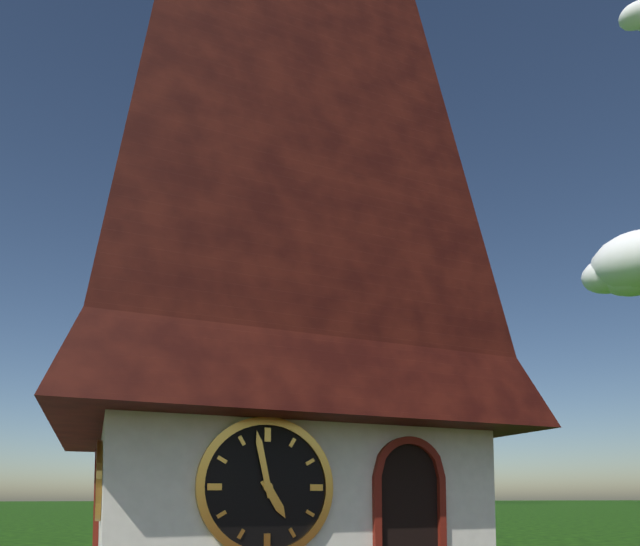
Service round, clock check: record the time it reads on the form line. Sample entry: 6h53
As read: 4h58
